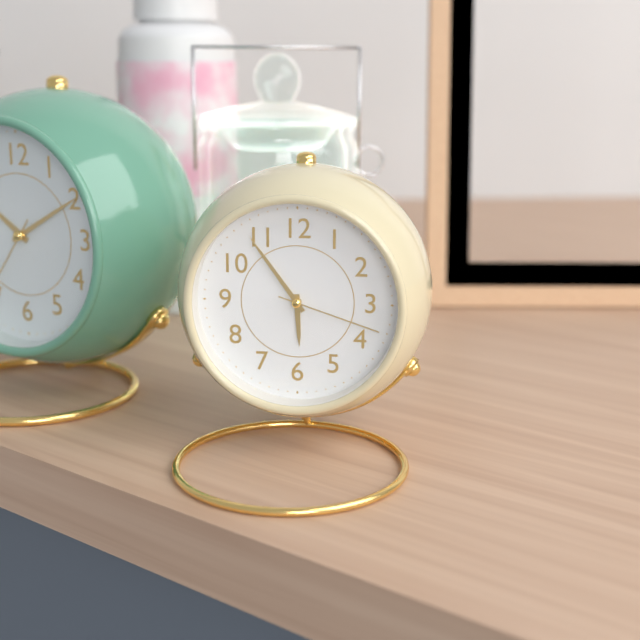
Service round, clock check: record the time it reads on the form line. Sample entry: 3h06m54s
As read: 5h54m18s
